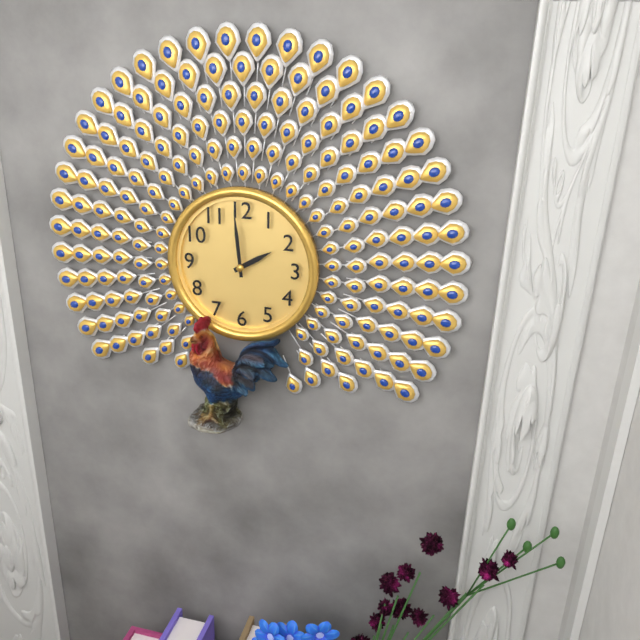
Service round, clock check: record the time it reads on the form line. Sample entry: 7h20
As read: 1h59
